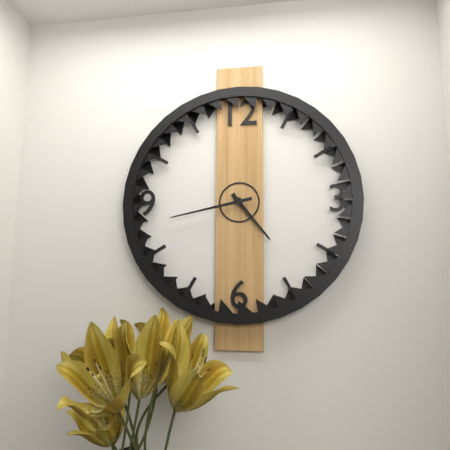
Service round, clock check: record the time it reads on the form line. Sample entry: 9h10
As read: 4h43
